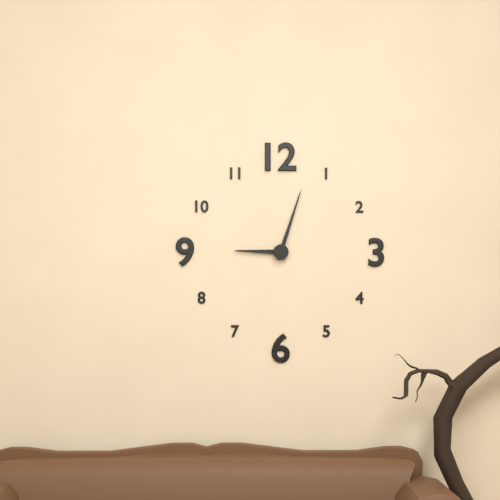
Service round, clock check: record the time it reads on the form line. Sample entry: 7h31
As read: 9h03
